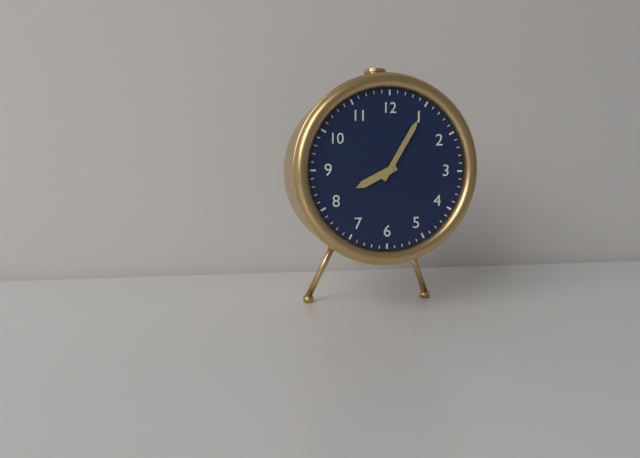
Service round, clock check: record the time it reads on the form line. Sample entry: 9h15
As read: 8h05
